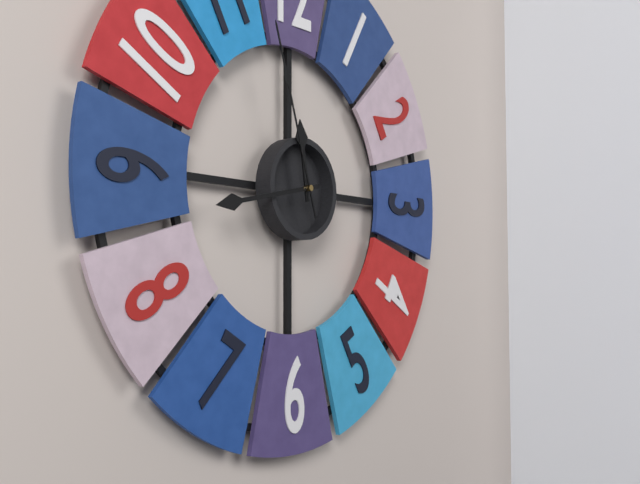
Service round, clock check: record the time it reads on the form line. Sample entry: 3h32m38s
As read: 11h43m57s
